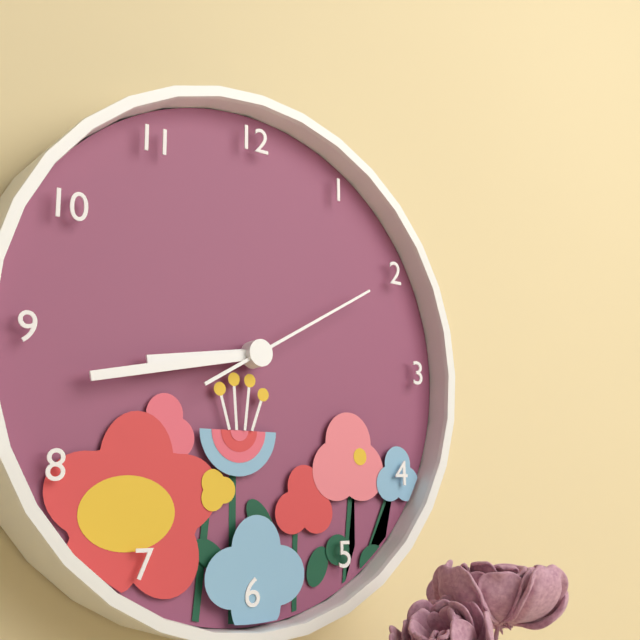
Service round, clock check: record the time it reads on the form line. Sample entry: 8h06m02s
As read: 8h43m10s
